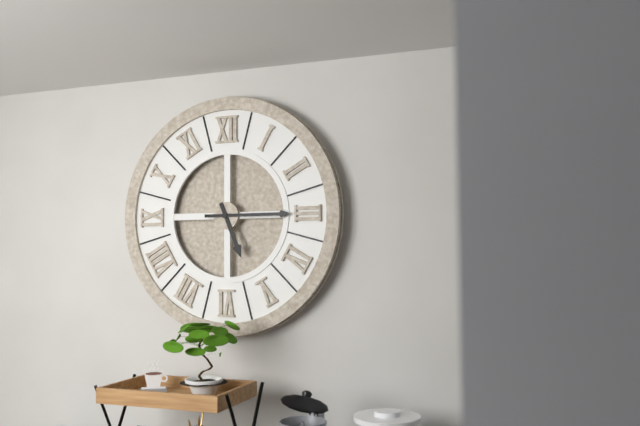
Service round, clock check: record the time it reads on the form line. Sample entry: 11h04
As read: 5h15
